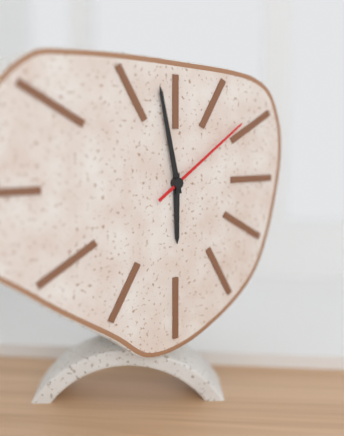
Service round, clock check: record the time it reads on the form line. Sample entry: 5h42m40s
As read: 5h58m09s
